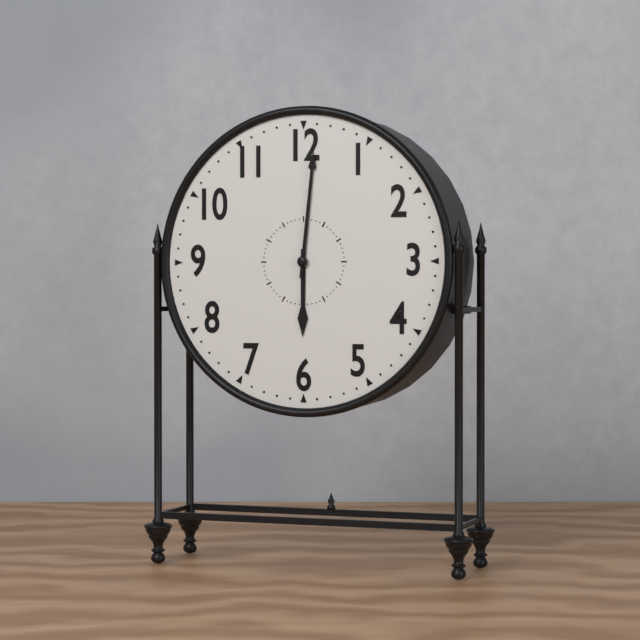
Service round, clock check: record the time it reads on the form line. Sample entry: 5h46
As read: 6h01
